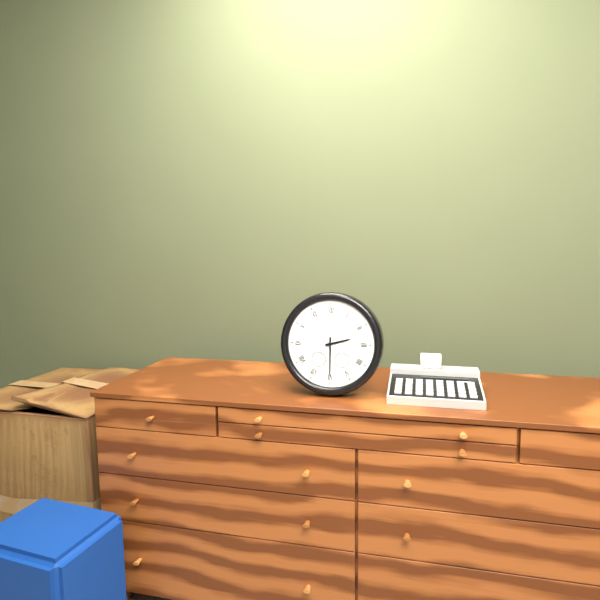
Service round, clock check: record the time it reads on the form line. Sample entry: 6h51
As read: 2h30
